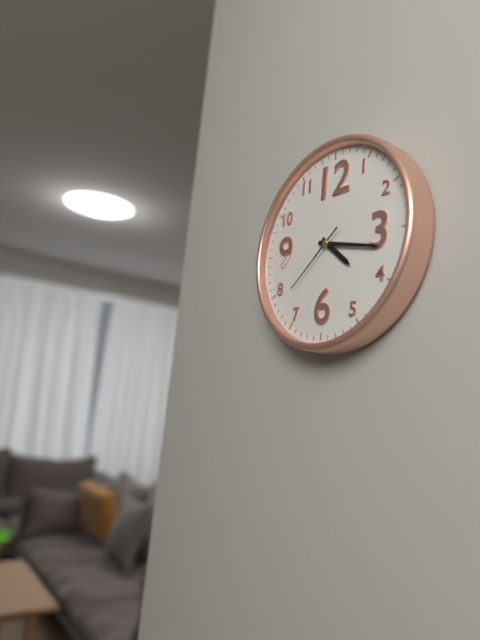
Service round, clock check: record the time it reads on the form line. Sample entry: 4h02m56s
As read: 4h17m38s
